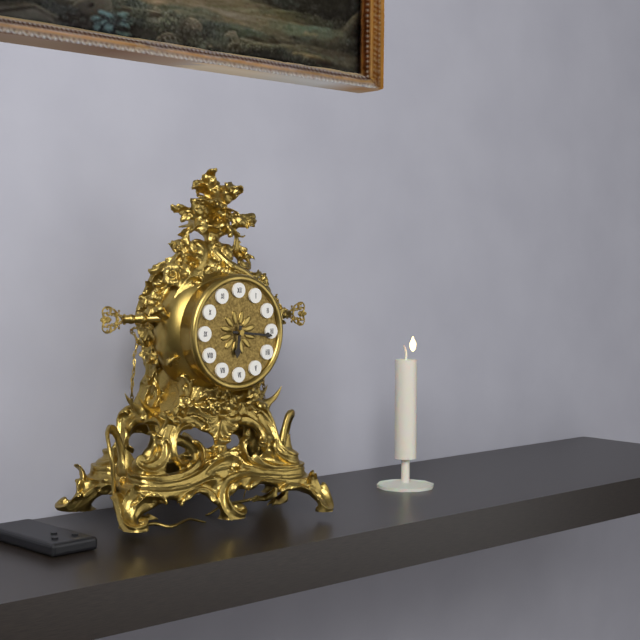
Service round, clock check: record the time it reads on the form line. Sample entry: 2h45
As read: 6h16
